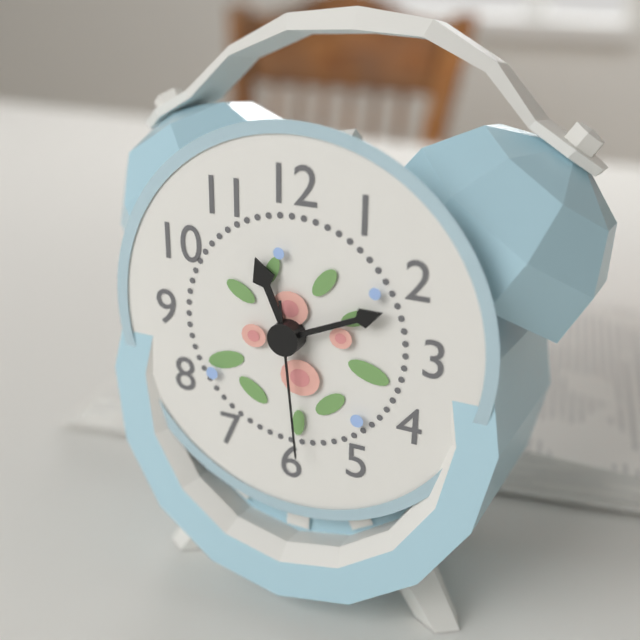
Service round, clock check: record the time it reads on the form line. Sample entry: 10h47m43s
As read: 11h11m29s
